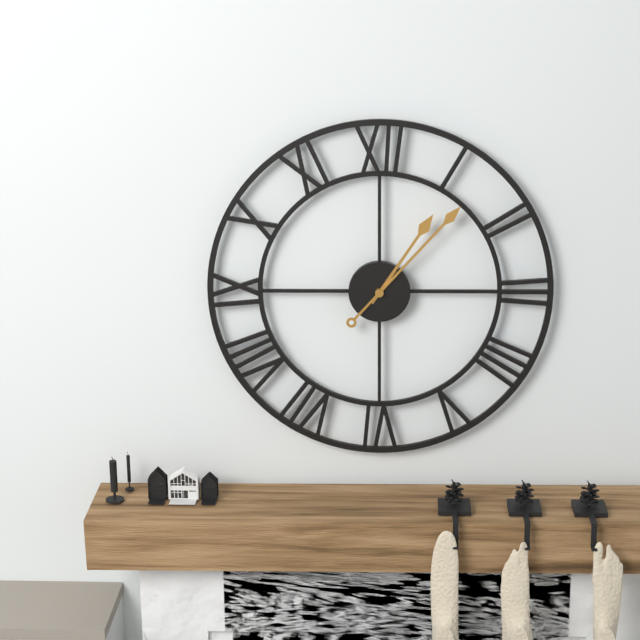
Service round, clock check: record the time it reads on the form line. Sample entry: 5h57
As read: 1h07
